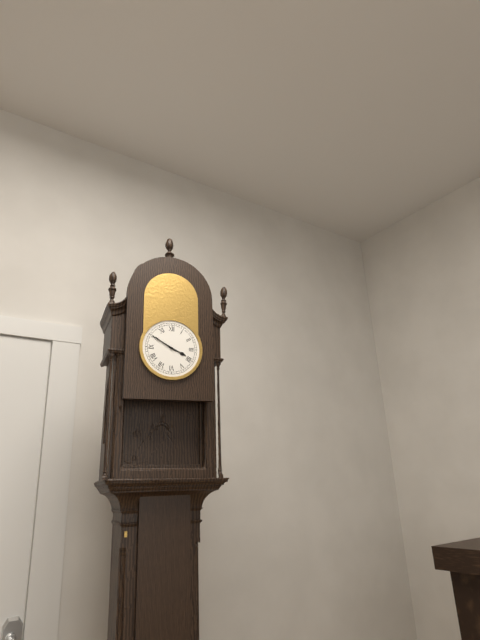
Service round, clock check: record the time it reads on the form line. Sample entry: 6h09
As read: 3h50
